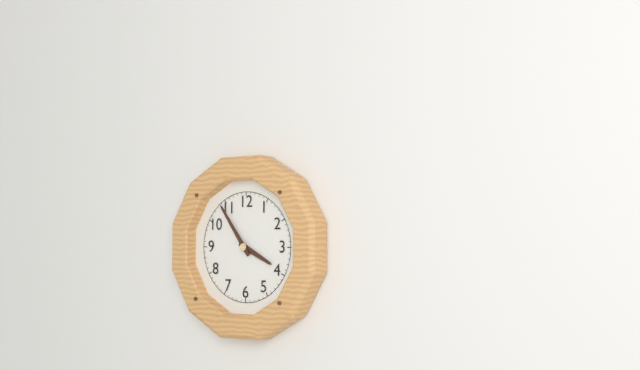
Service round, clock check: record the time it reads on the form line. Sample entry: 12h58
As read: 3h54
